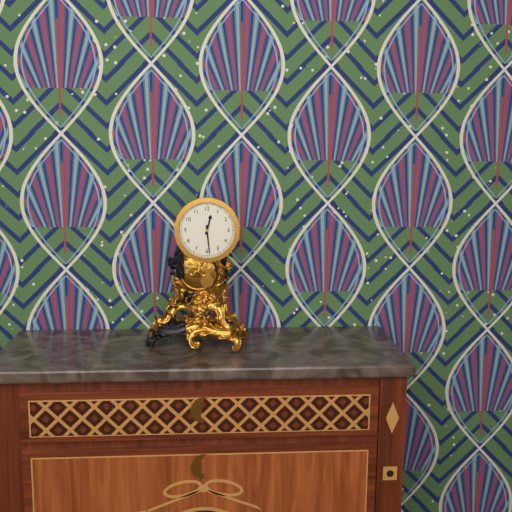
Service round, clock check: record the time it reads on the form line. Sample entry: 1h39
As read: 12h29
